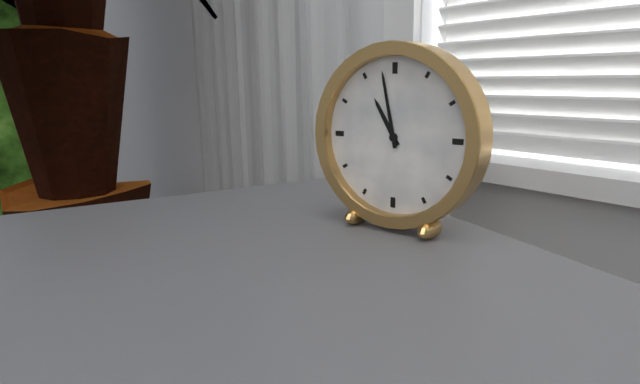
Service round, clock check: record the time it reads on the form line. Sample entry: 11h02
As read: 10h58
